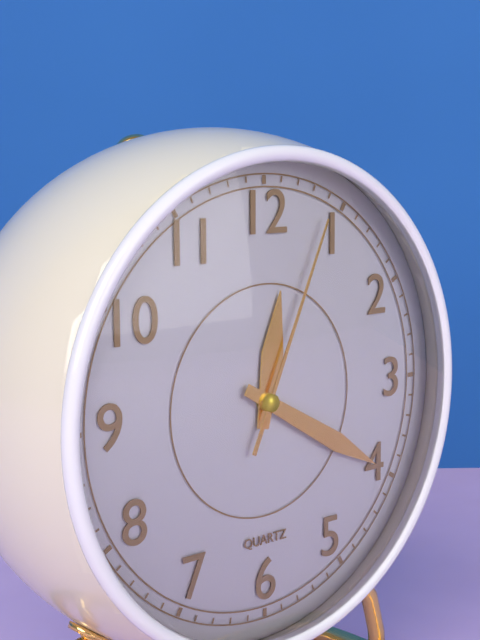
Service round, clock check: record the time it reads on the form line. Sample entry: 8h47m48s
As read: 12h20m04s
